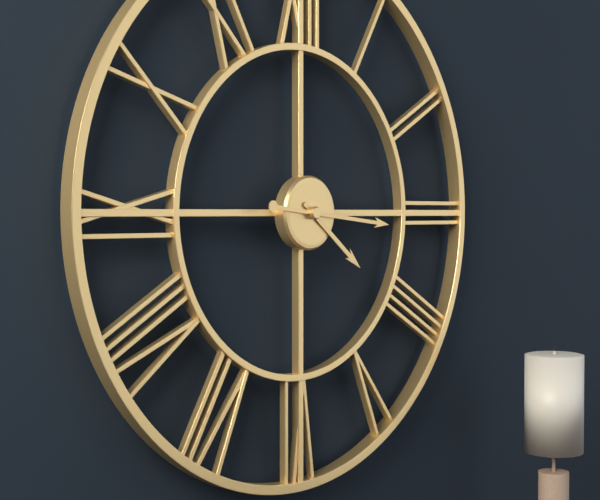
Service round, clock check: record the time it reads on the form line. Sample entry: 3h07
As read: 4h16
